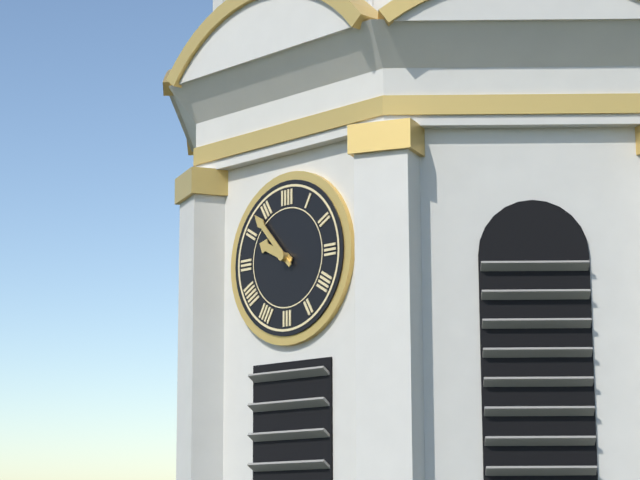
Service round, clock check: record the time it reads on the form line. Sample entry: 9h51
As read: 9h53
